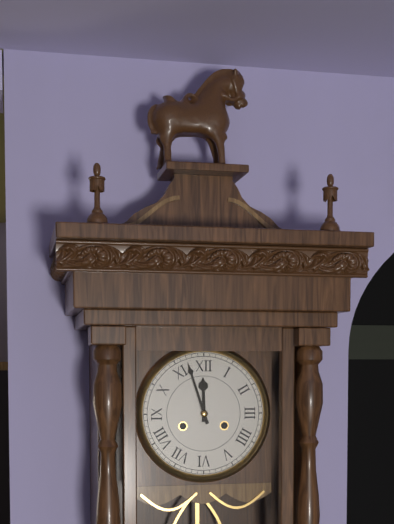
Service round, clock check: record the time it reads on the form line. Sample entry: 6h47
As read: 11h57
